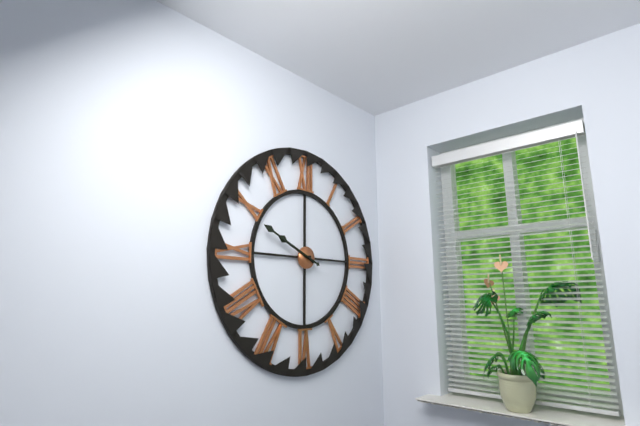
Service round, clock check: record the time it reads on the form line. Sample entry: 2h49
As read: 9h49
